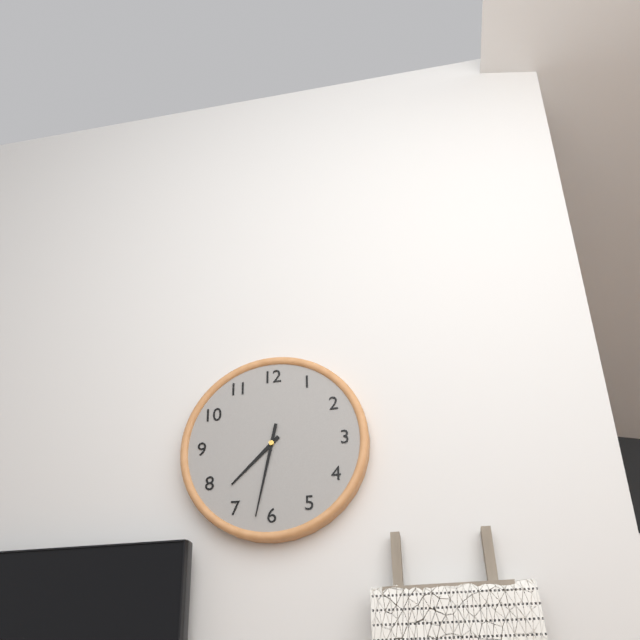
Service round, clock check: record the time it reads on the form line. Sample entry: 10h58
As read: 7h32
